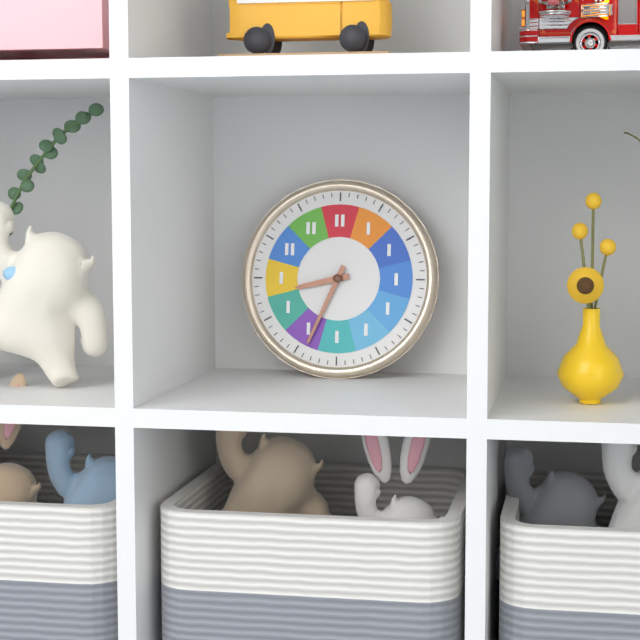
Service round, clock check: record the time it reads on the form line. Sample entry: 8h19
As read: 8h34
